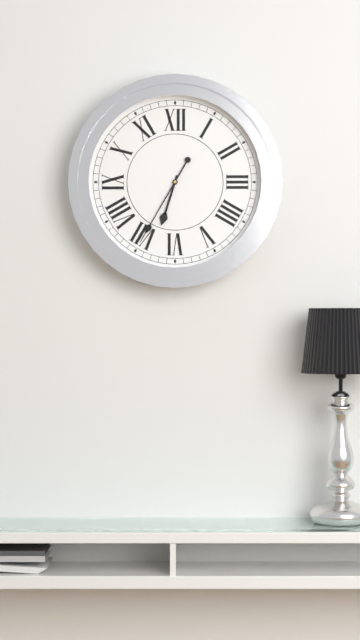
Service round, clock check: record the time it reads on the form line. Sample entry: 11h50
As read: 6h35
